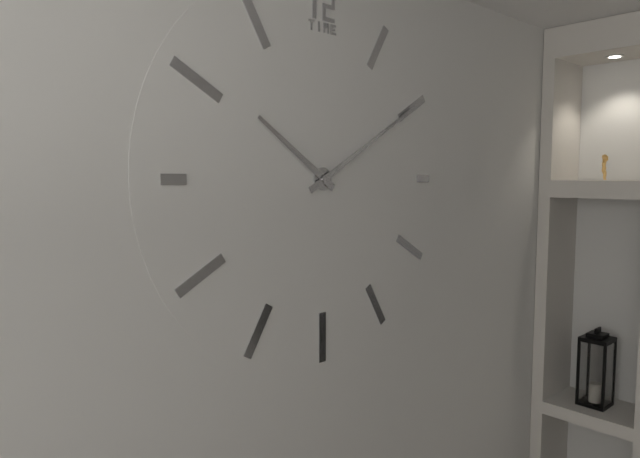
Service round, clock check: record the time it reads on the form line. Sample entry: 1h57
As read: 10h10
